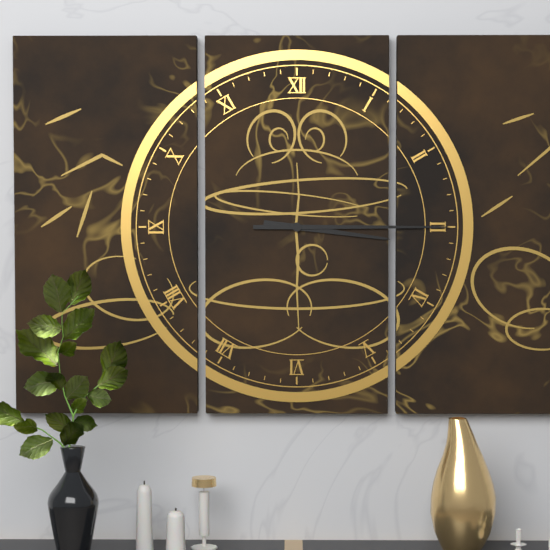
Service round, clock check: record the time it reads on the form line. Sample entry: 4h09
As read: 3h15
